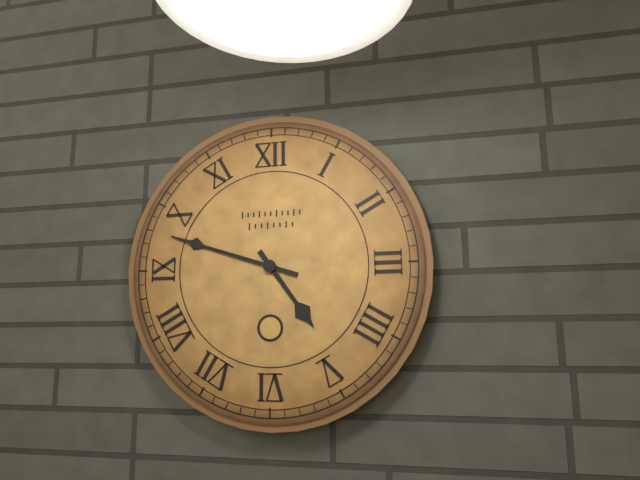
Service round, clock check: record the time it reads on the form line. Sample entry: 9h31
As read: 4h48
